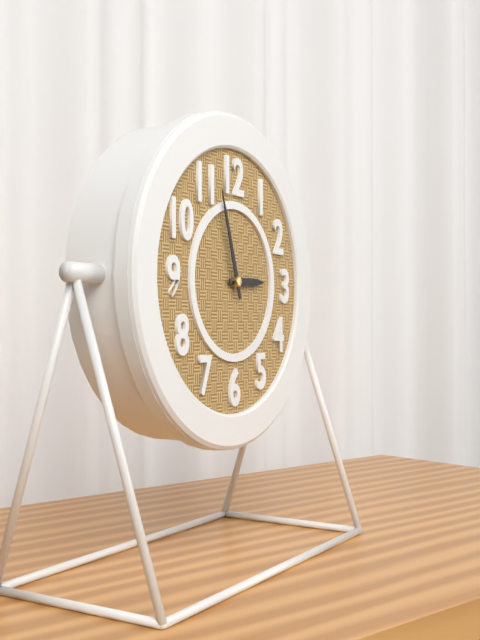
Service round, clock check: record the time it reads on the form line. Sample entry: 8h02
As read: 2h57
